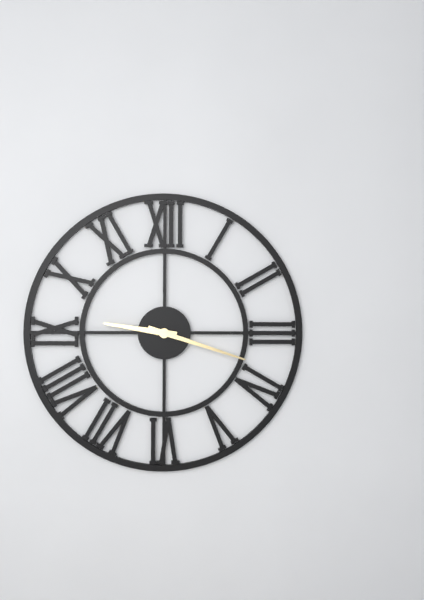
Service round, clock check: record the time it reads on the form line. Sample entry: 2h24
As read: 9h18
